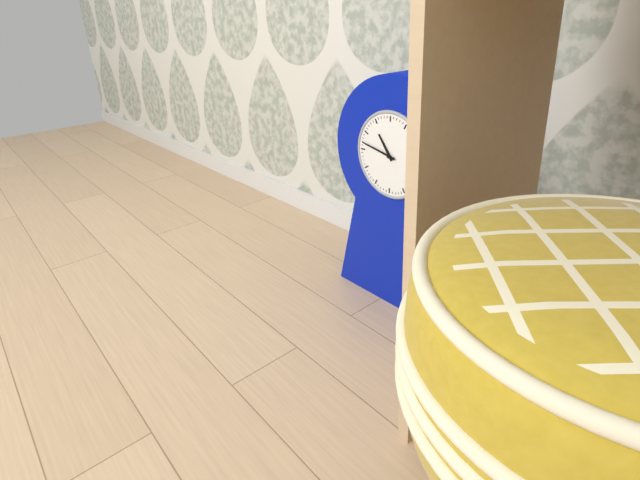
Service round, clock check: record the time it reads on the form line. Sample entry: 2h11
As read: 10h47
